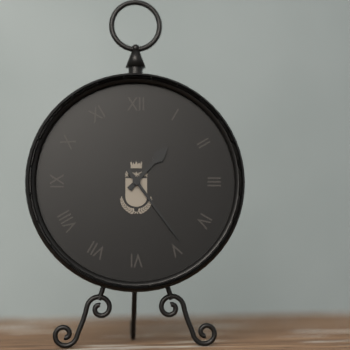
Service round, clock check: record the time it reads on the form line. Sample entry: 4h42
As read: 1h24
